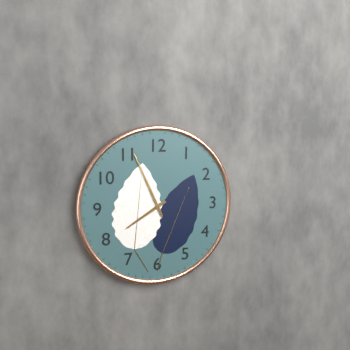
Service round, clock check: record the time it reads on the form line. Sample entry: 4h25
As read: 7h56
